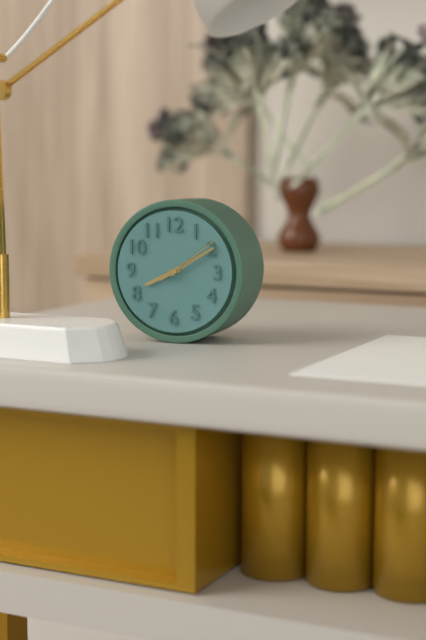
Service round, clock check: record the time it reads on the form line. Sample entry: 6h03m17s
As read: 8h10m09s
